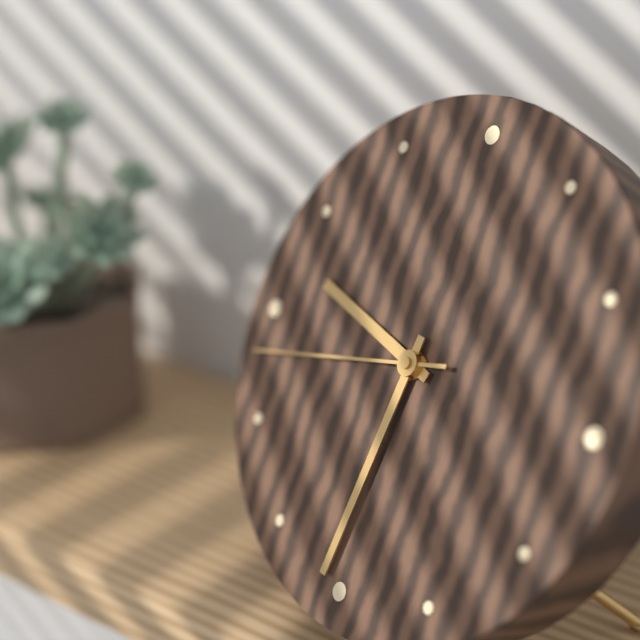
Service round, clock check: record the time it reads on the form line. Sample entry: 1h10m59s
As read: 9h31m43s
